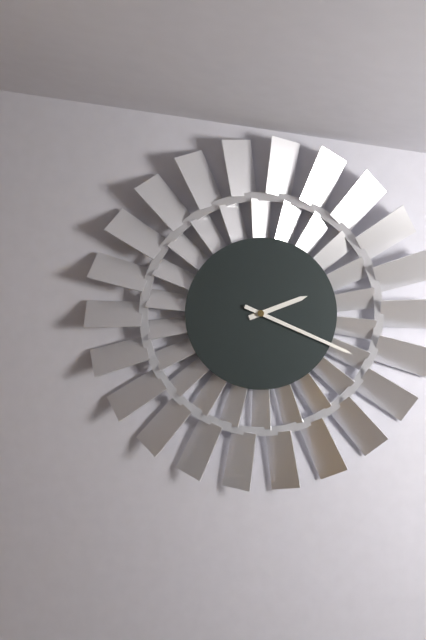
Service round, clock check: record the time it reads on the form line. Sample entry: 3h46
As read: 2h19
